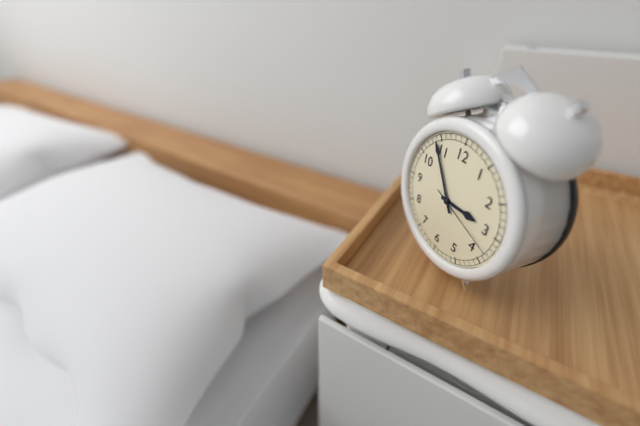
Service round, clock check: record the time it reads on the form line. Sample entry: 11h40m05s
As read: 2h54m18s
